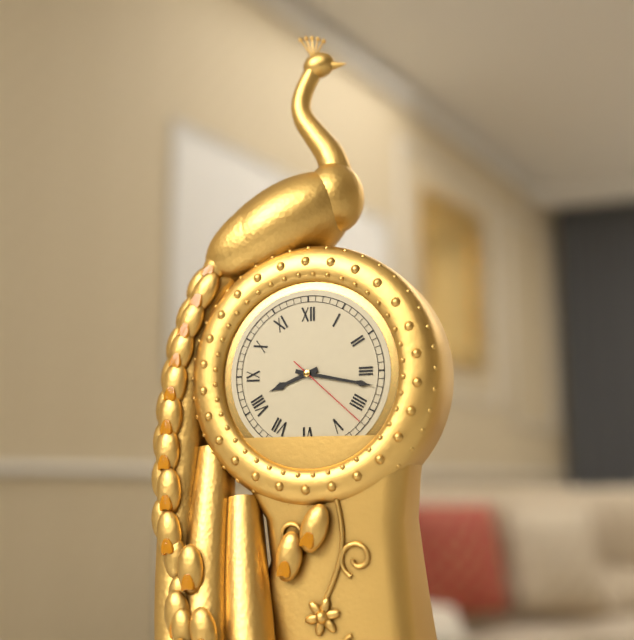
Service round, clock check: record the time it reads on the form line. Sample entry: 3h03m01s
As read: 8h17m22s
